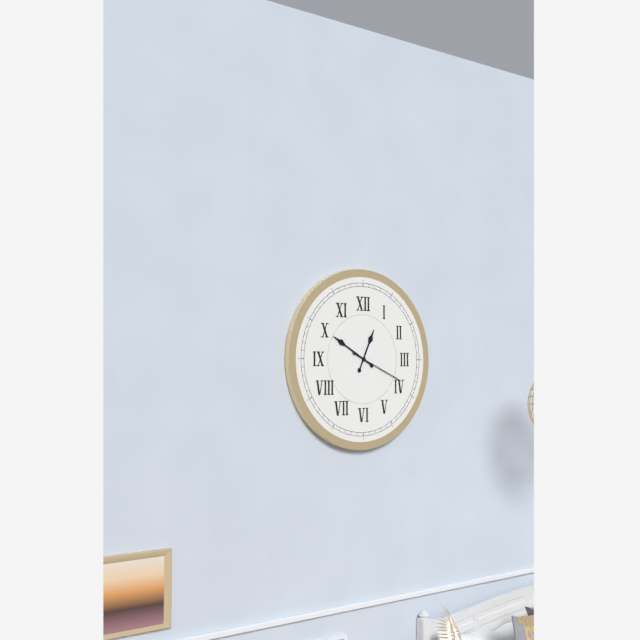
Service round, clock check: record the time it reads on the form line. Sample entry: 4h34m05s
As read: 12h50m19s
